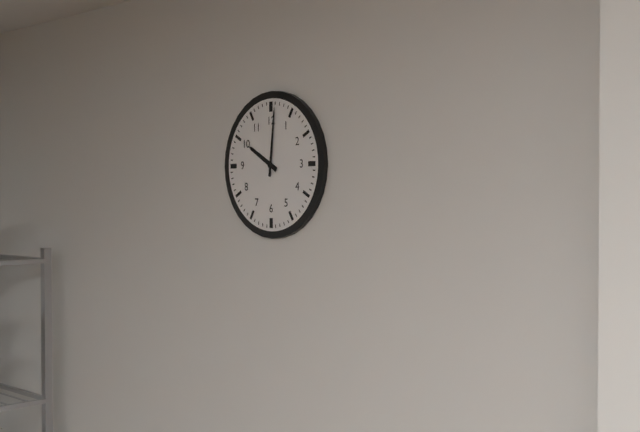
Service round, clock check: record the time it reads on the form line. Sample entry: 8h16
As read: 10h01
